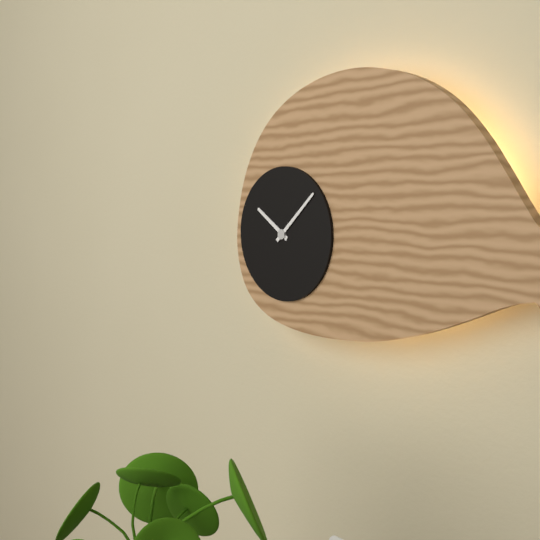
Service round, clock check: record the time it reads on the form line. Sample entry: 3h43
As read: 10h08
